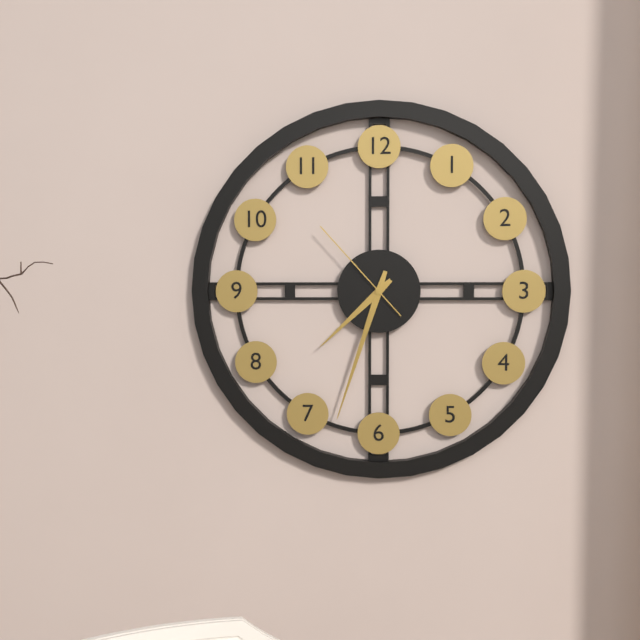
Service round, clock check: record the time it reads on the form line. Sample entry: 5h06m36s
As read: 7h33m53s
